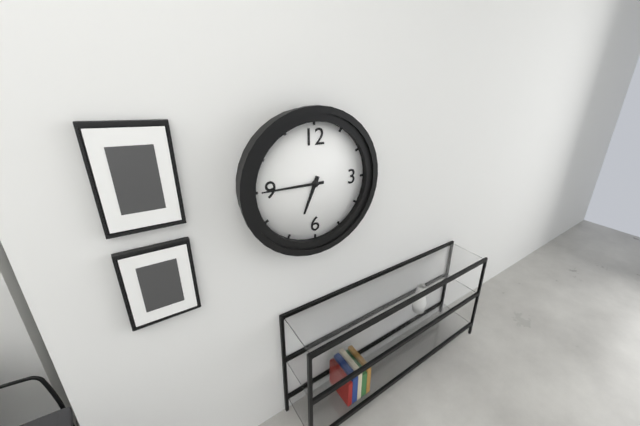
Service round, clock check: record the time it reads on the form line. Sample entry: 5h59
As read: 6h45
